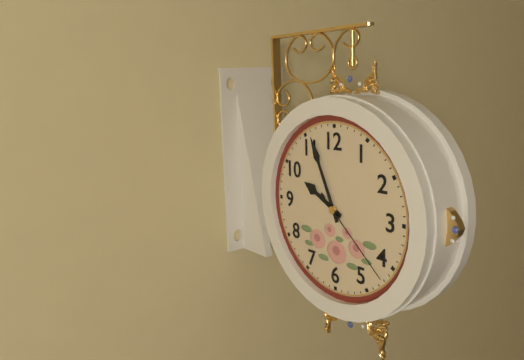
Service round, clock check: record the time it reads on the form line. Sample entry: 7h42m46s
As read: 9h56m22s
